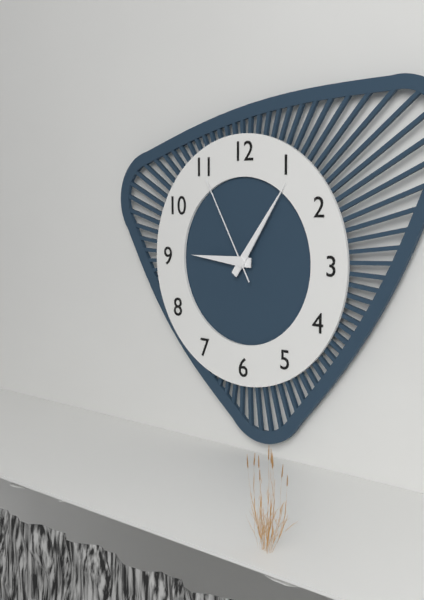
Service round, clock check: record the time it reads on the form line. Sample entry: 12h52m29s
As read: 9h06m55s
